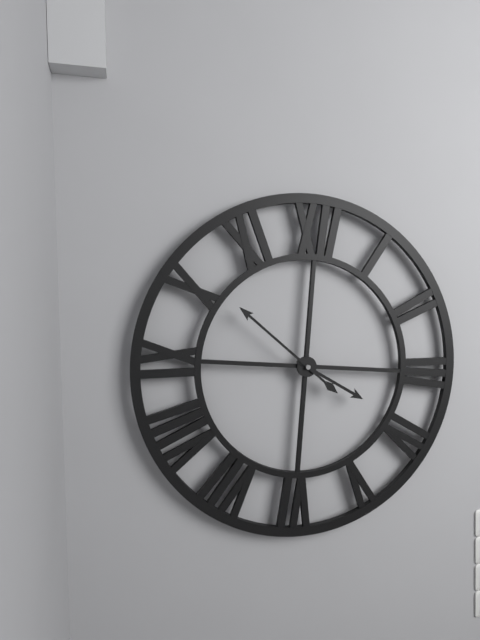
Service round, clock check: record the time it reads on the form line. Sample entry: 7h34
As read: 3h51
